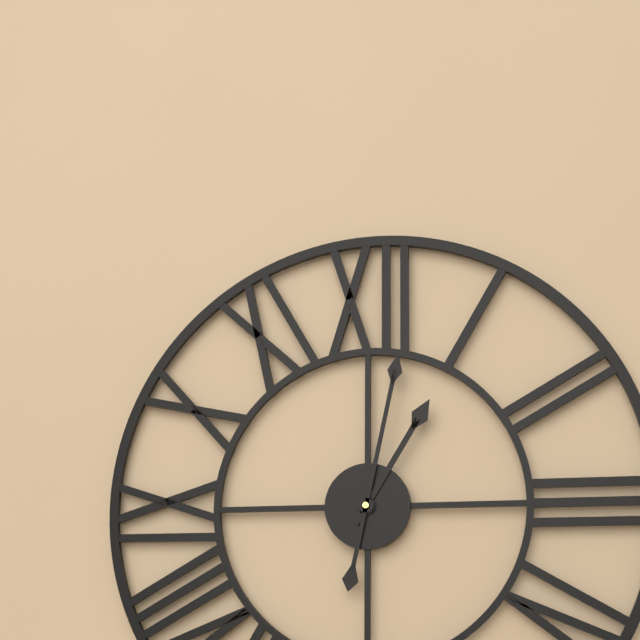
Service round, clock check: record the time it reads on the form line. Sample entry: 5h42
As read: 1h02
